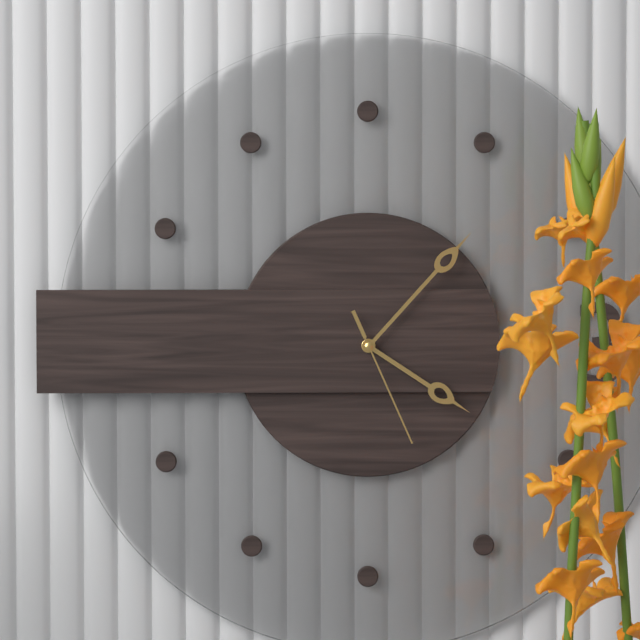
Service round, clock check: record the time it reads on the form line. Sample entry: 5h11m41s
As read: 4h07m26s
